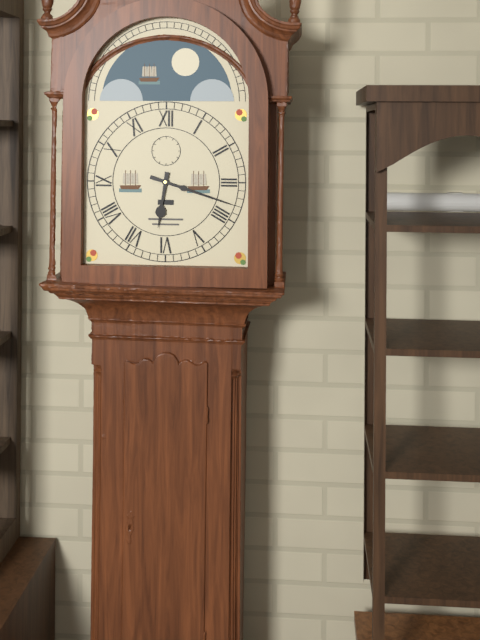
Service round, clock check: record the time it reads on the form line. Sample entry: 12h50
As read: 6h18
